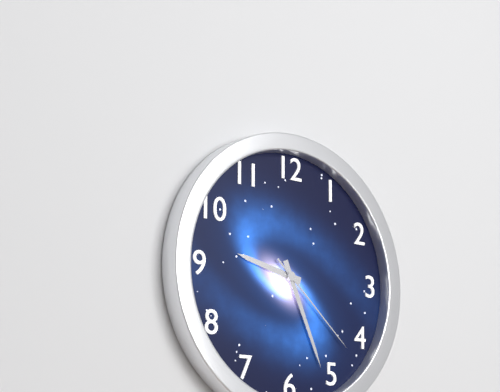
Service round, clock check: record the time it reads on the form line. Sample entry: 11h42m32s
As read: 9h26m22s
